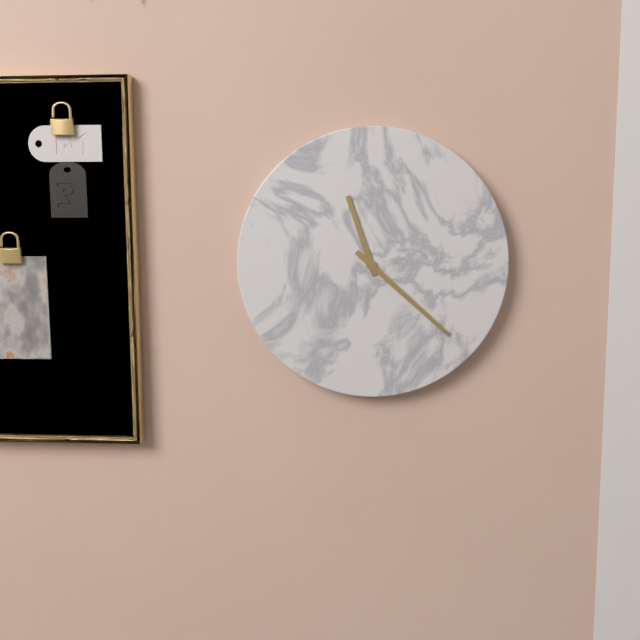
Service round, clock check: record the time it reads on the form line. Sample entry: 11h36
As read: 11h22
